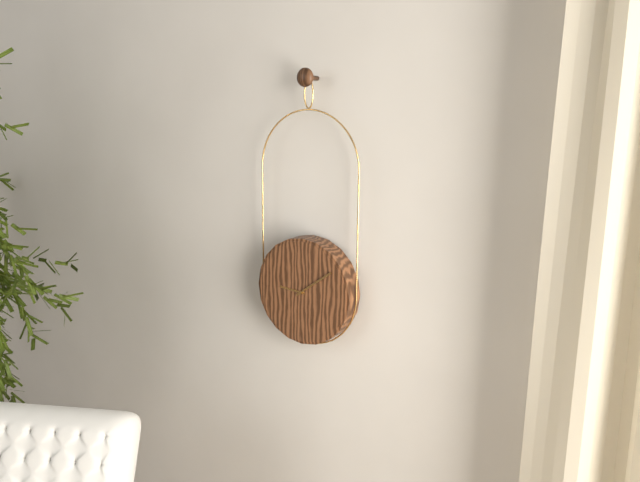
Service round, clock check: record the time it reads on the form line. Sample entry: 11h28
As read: 9h09
